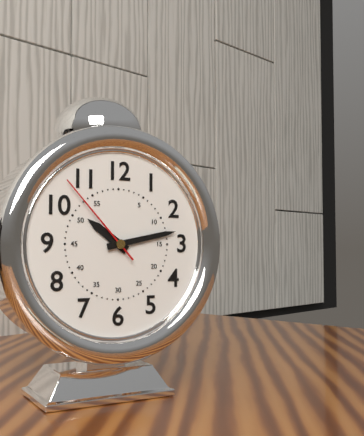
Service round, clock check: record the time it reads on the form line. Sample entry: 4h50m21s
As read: 10h13m53s
